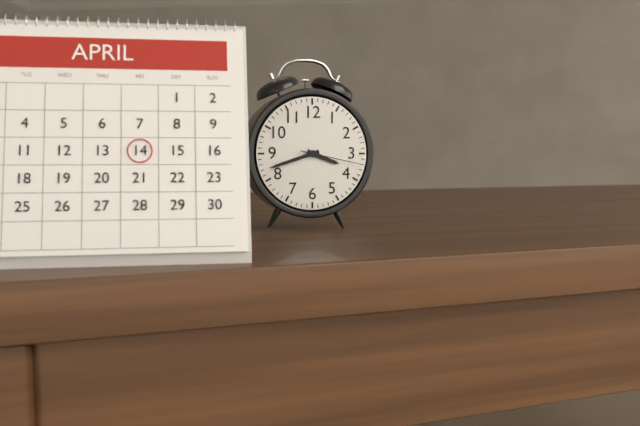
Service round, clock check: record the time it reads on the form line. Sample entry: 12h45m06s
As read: 3h42m17s
